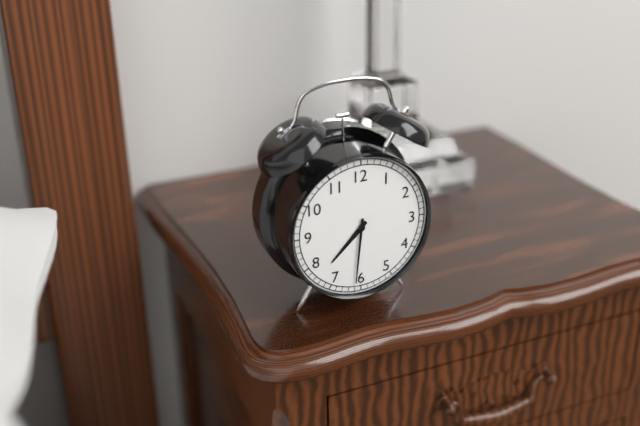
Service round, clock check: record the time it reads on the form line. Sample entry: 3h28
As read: 7h31
